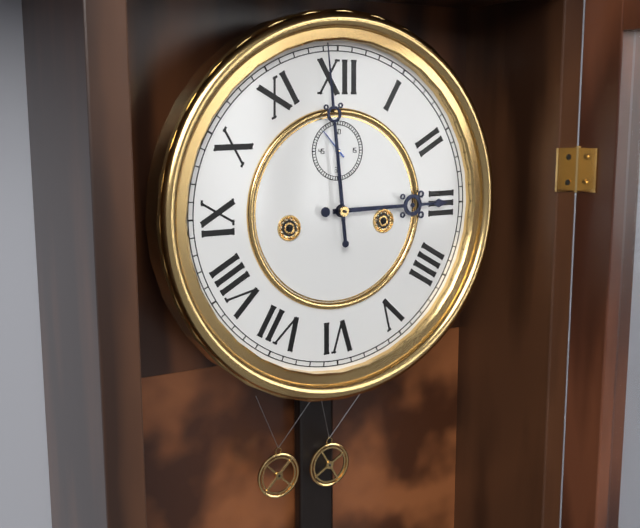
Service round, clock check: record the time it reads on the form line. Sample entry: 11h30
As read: 2h59
